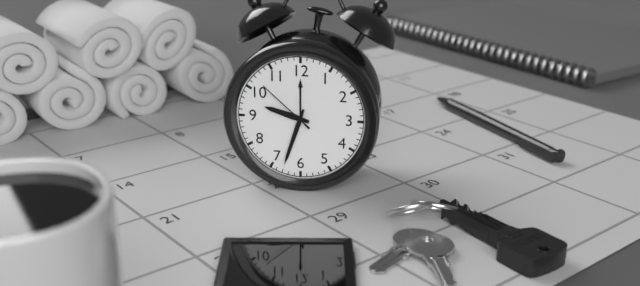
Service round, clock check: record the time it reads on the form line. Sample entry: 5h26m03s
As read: 9h33m52s
